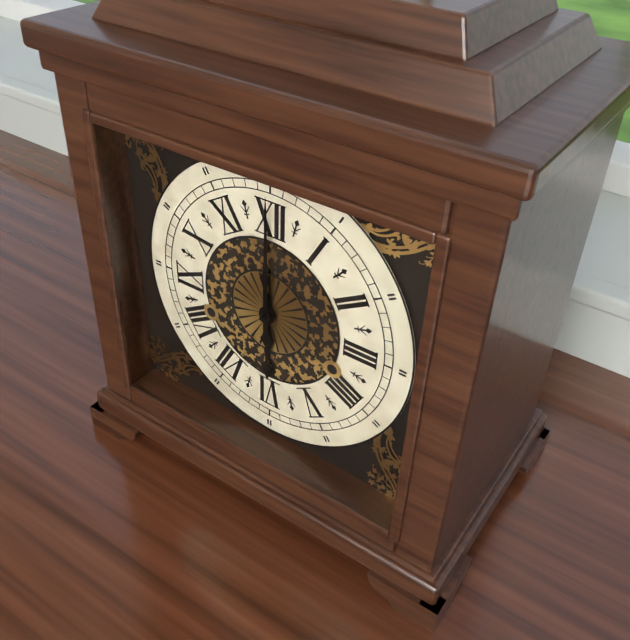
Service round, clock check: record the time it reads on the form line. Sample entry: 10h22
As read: 6h00
